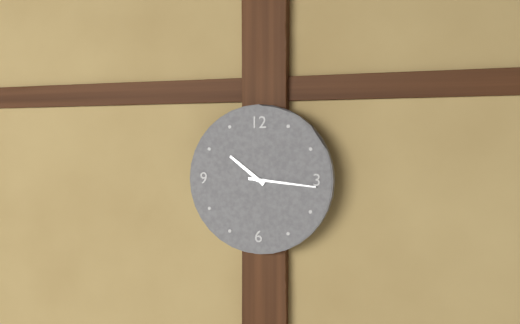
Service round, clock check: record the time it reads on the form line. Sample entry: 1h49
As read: 10h16
